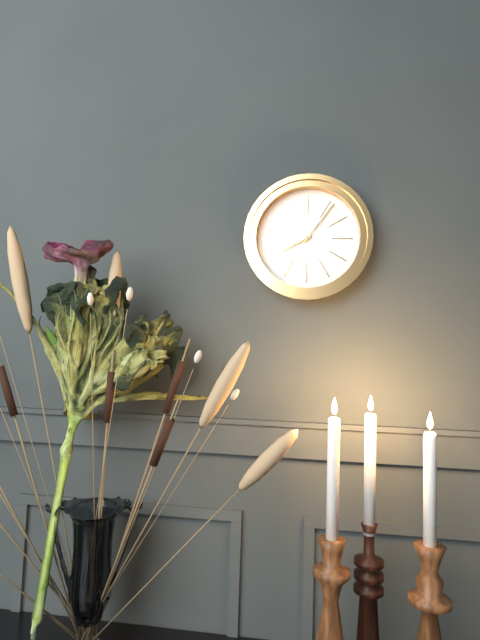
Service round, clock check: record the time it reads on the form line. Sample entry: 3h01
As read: 8h06
